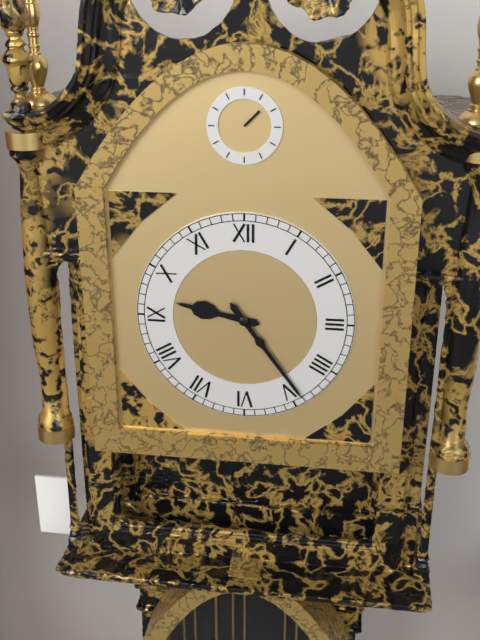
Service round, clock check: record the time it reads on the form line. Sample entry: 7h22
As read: 9h24
